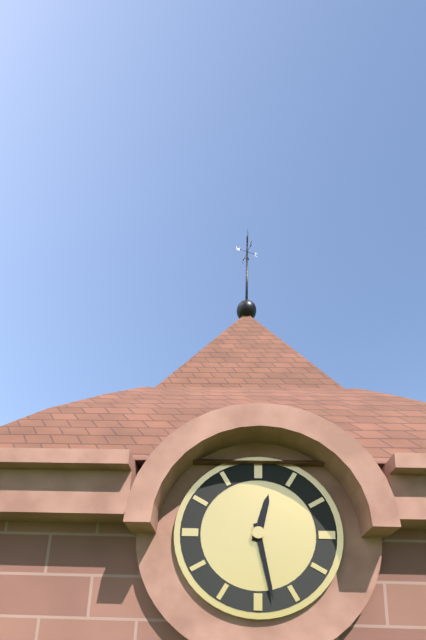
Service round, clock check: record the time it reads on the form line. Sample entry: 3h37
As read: 12h28
